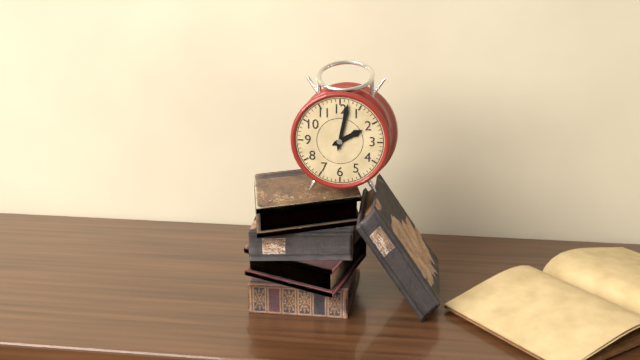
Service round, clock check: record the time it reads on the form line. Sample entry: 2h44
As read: 2h02
